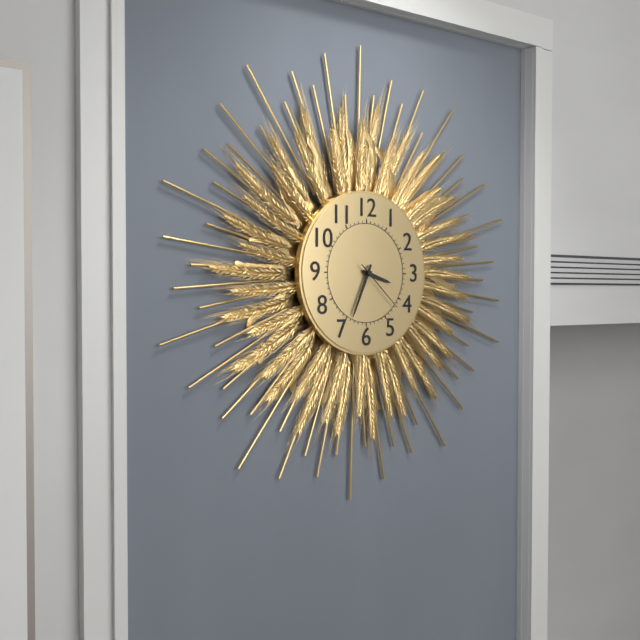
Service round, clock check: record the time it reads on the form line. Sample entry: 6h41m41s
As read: 3h34m22s
